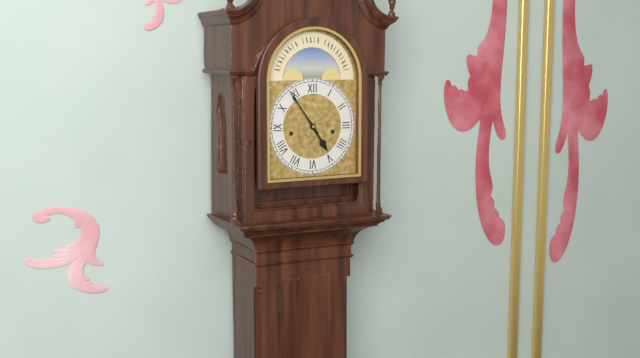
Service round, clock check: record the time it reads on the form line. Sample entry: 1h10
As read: 4h54
